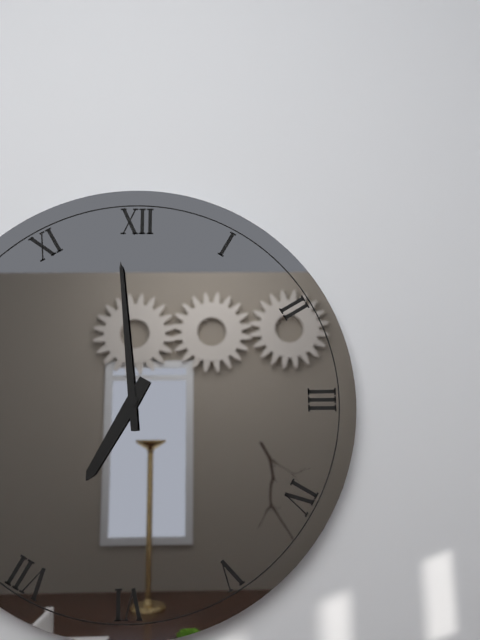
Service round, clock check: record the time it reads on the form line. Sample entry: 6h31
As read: 6h59
